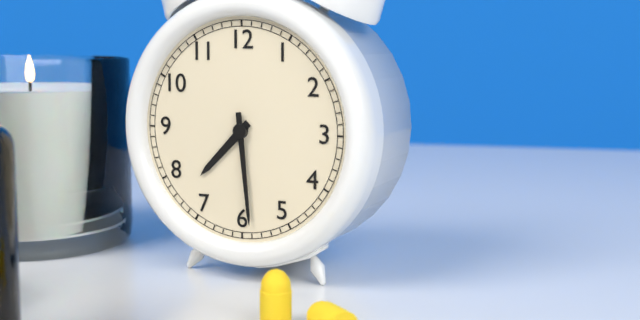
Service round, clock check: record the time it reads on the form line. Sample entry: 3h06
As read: 7h29
